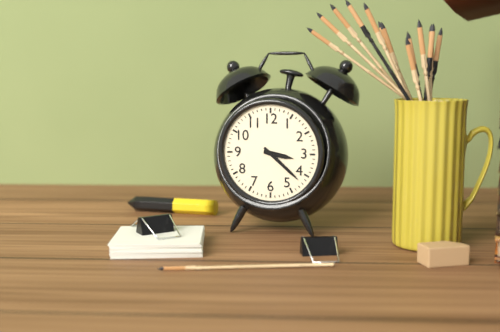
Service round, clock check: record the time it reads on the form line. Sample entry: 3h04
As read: 3h22
